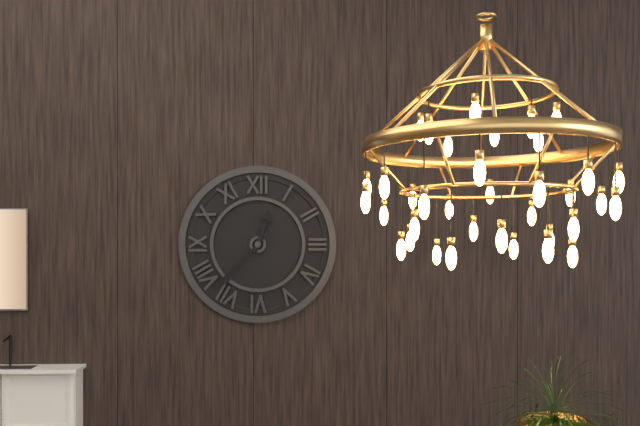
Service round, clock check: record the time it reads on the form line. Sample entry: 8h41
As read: 12h37
